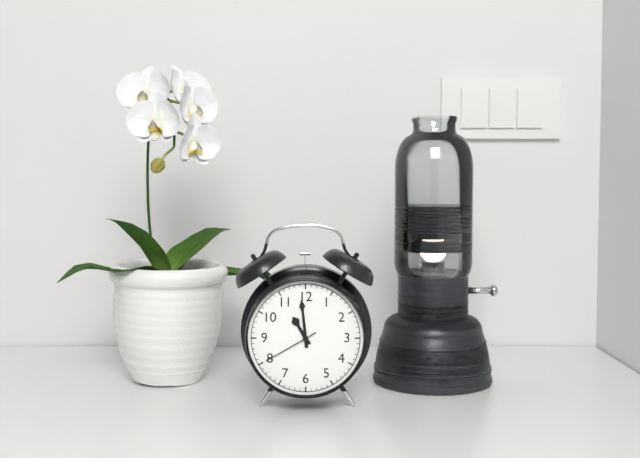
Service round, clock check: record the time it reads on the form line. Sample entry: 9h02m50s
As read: 10h59m40s
